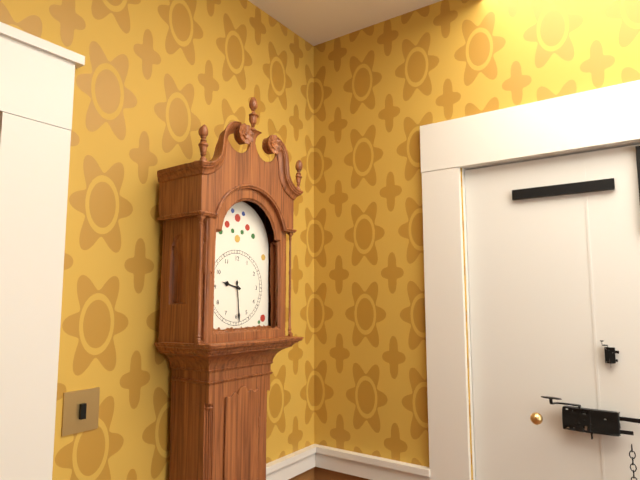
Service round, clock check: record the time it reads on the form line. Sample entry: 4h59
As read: 9h29
